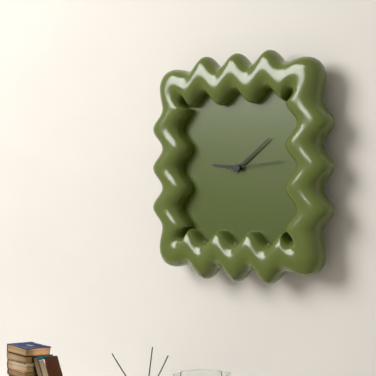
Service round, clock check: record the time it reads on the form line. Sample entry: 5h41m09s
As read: 9h09m14s
